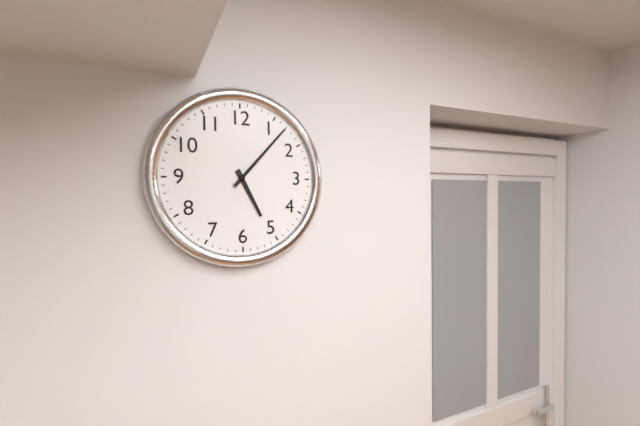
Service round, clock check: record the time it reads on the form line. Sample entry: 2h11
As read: 5h07
